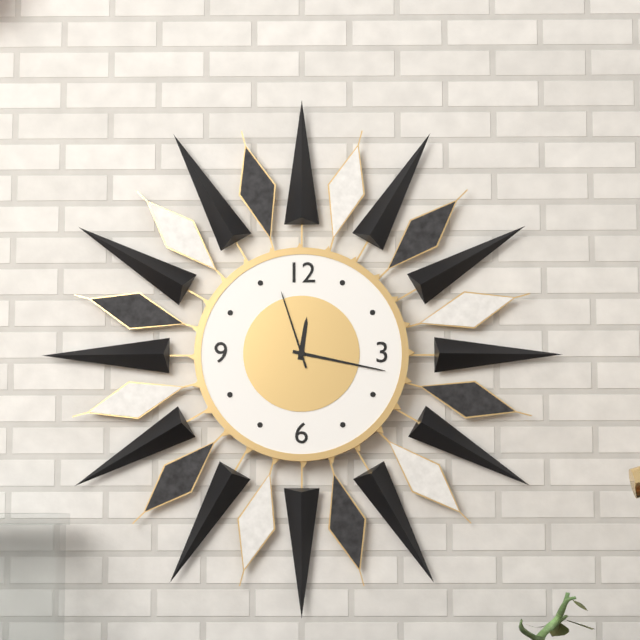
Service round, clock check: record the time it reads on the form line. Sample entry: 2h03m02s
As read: 12h17m57s
